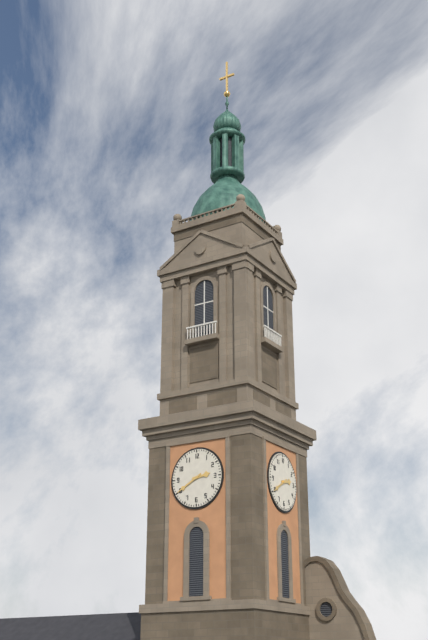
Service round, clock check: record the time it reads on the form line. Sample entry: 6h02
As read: 2h40
